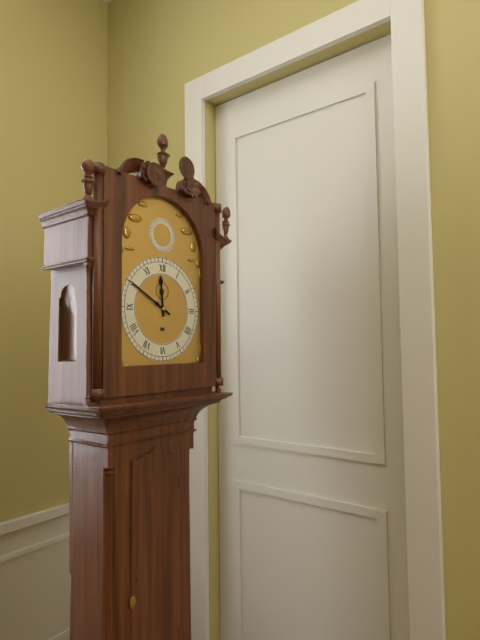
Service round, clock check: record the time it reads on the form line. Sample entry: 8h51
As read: 11h50
